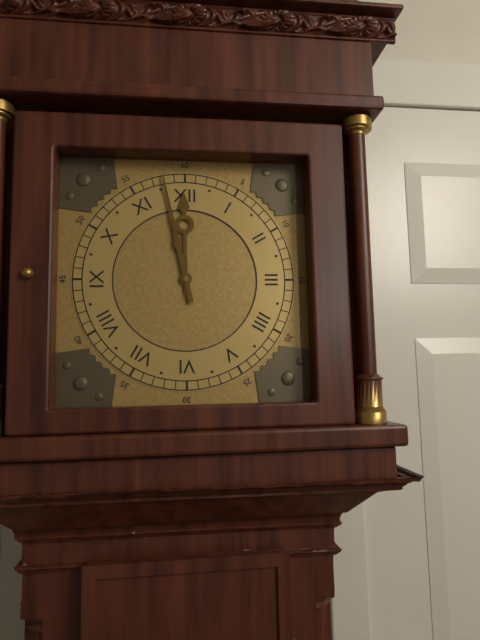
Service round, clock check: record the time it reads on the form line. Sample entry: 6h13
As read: 11h58
